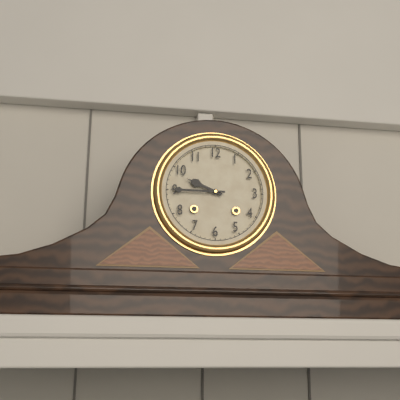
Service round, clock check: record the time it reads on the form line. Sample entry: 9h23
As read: 9h45
